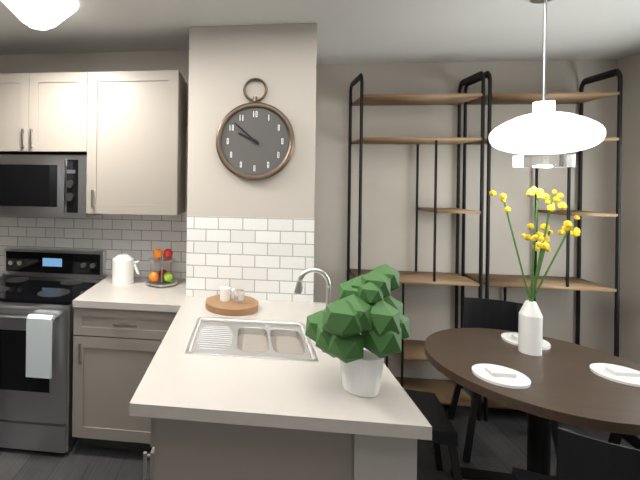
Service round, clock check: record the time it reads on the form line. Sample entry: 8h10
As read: 9h52
